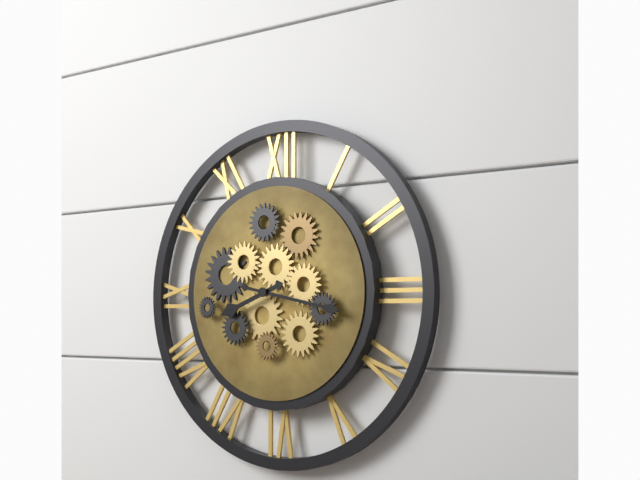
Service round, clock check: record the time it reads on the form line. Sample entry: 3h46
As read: 8h17
